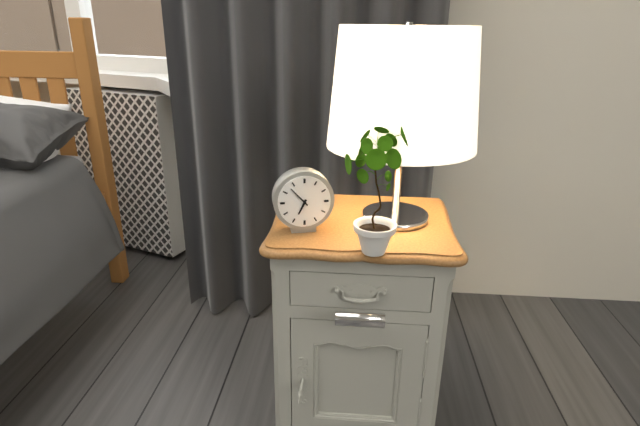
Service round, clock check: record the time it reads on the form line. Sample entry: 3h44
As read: 6h53
